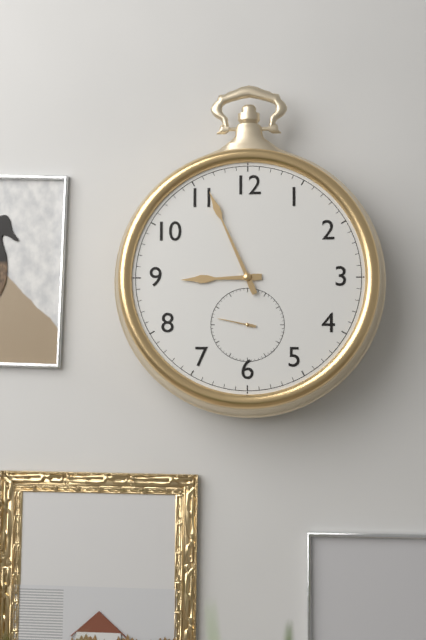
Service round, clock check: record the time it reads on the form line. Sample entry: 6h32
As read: 8h56
